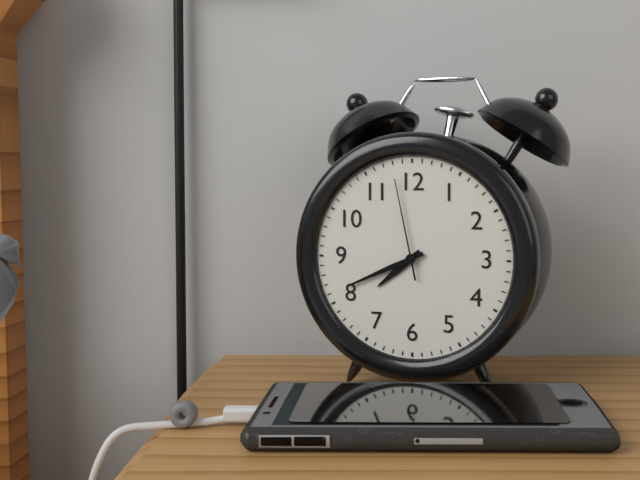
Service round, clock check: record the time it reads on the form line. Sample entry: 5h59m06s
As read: 7h41m58s
